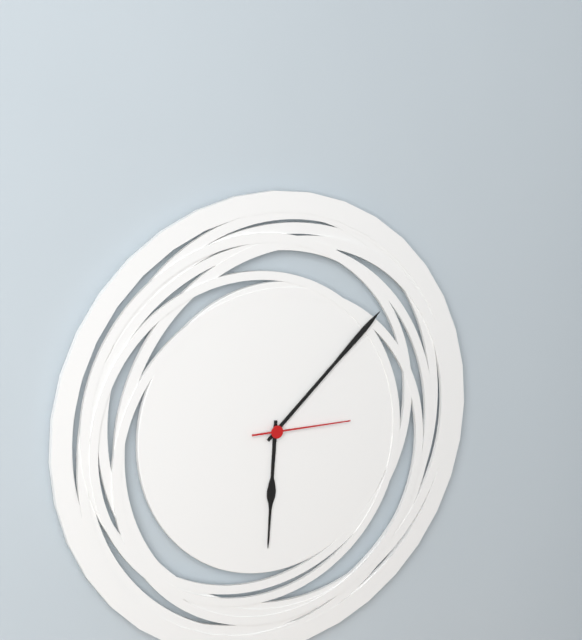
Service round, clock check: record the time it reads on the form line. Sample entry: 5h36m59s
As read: 6h08m15s
